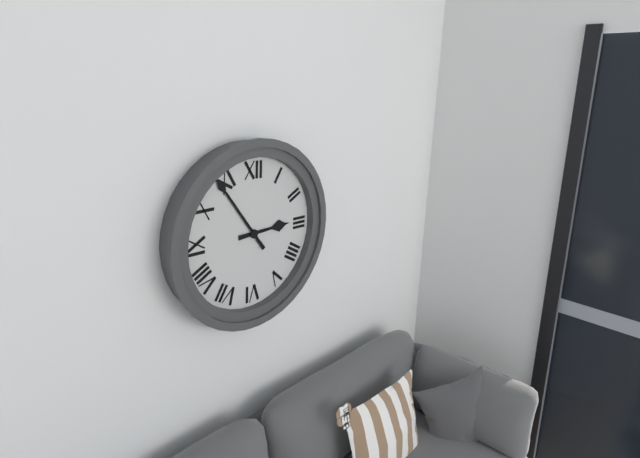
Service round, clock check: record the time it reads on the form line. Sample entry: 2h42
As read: 2h54
